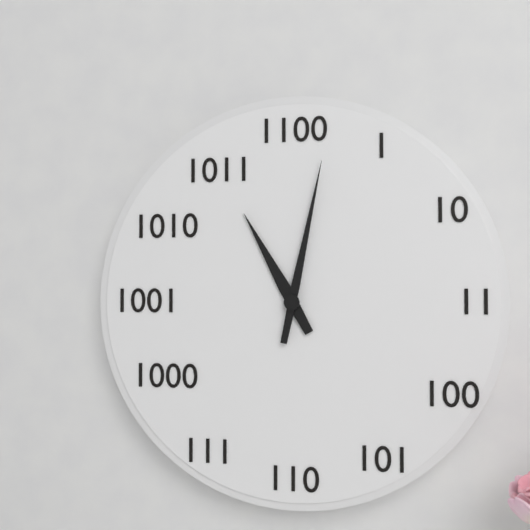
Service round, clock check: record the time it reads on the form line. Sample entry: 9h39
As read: 11h02
